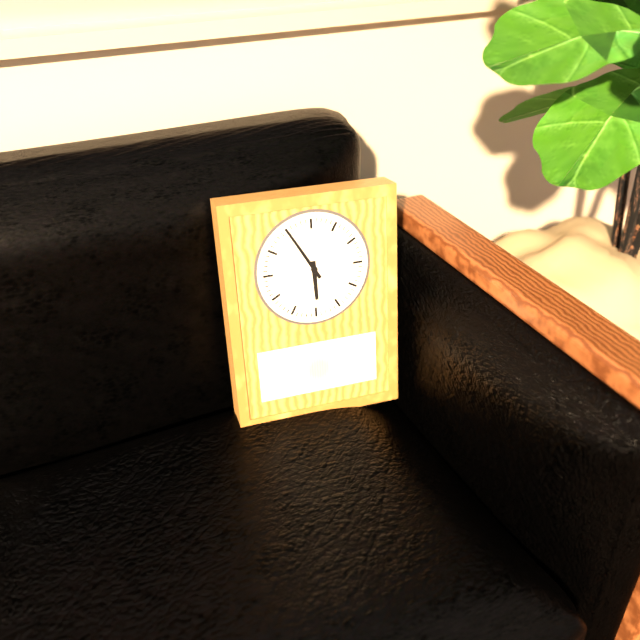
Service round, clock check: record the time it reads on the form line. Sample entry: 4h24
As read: 5h55
